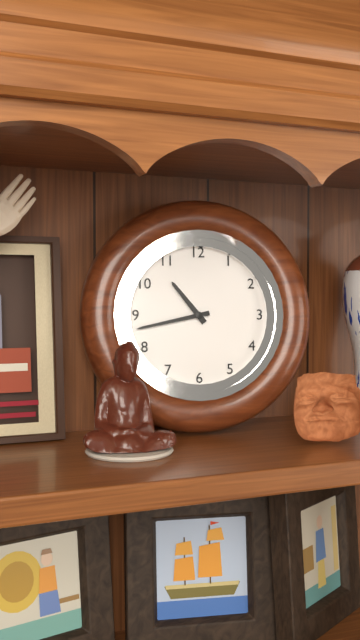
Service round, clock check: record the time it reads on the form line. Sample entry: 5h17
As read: 10h43
